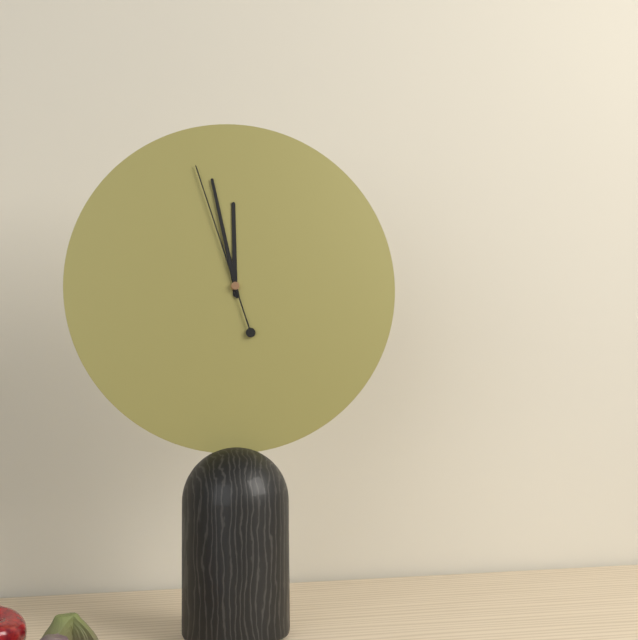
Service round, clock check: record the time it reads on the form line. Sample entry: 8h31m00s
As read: 11h58m57s
